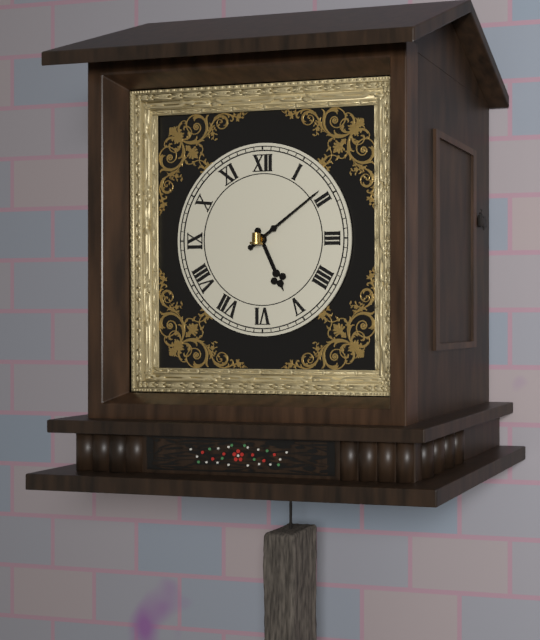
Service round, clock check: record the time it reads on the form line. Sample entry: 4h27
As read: 5h09
